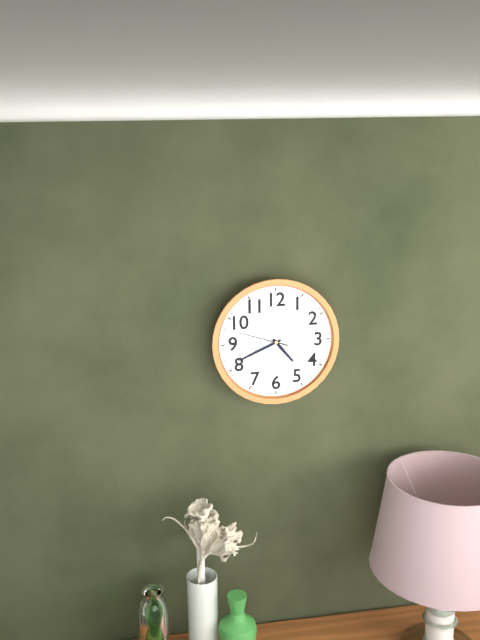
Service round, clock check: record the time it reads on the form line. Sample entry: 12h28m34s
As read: 4h41m48s
